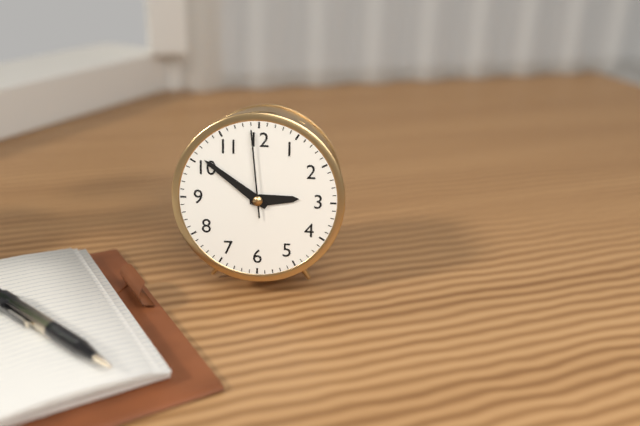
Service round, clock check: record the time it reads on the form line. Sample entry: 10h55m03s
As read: 2h51m59s
